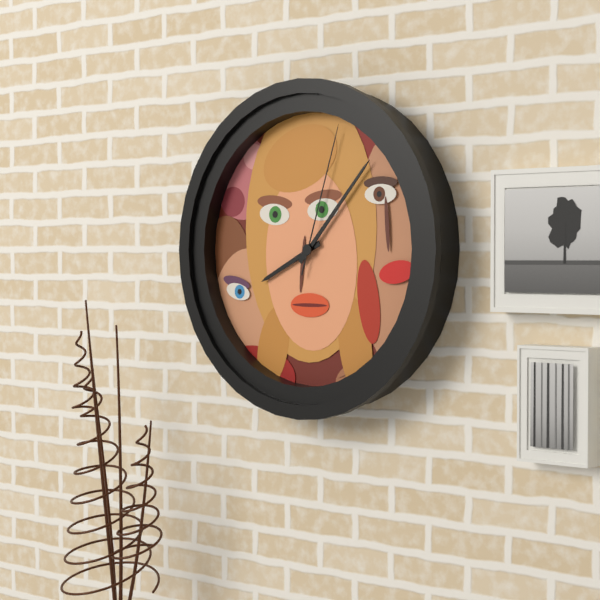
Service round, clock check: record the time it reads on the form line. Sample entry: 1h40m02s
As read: 8h07m03s
